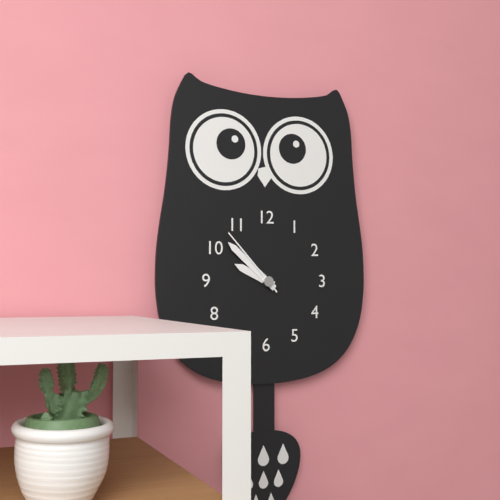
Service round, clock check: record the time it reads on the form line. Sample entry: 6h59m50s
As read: 9h52m53s
